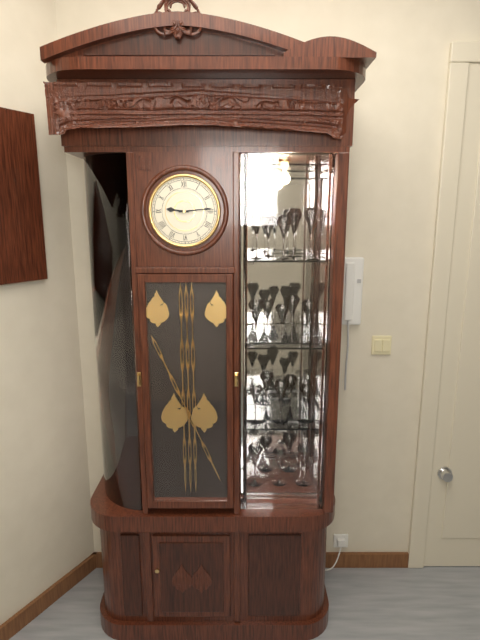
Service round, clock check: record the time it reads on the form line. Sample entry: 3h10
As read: 9h14
